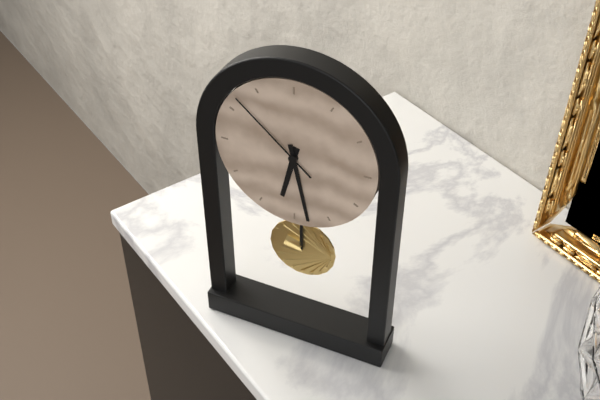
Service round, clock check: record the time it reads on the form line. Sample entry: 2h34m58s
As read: 6h28m52s
